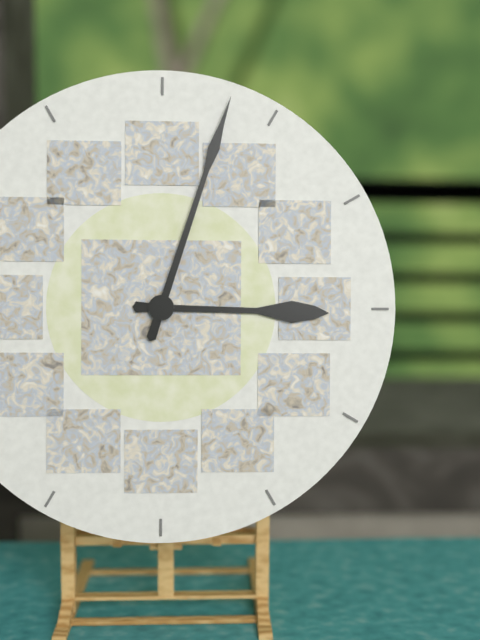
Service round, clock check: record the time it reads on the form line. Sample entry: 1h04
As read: 3h03
